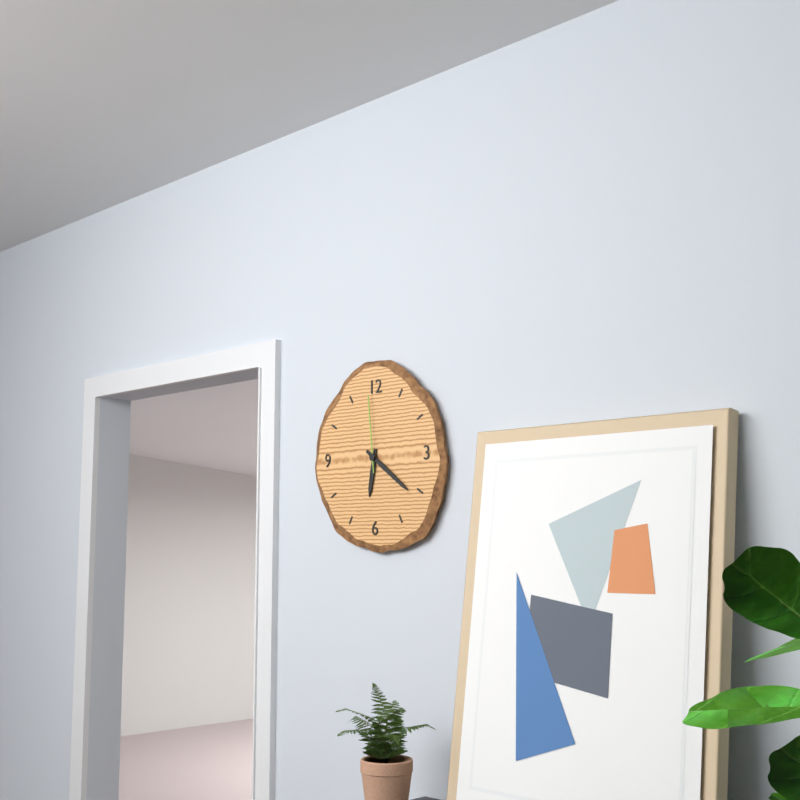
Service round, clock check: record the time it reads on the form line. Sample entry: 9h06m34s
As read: 6h21m59s
